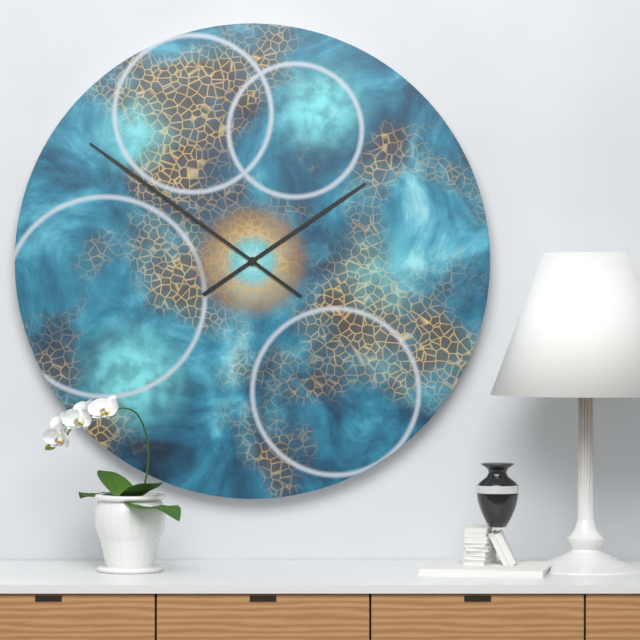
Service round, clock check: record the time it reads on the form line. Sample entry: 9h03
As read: 1h51
